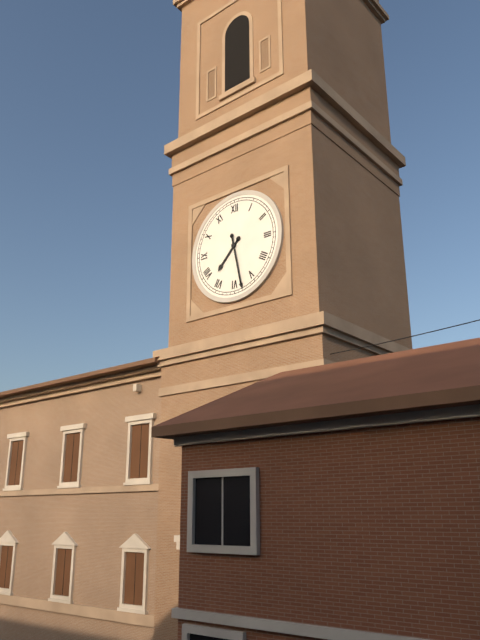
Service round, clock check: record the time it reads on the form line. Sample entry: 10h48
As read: 7h28
